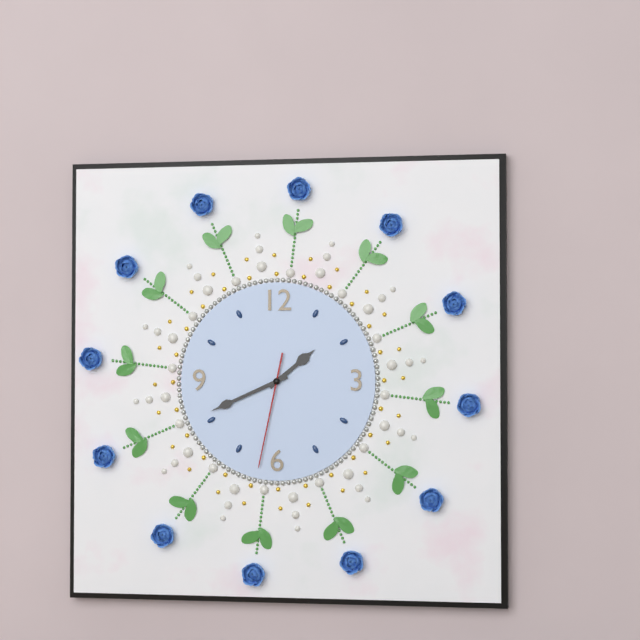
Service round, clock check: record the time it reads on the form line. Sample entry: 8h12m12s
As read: 1h41m32s
